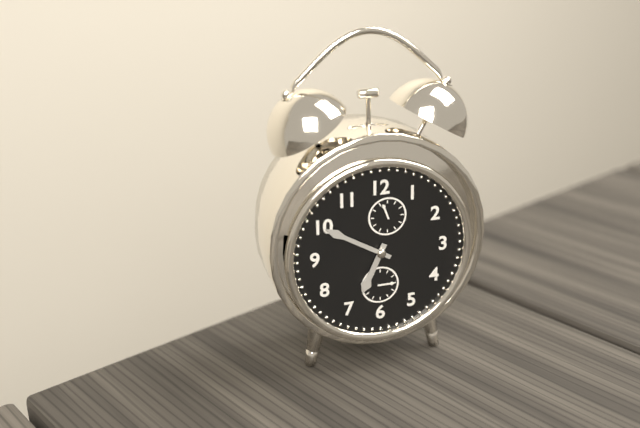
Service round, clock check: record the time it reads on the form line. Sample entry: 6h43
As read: 6h50
